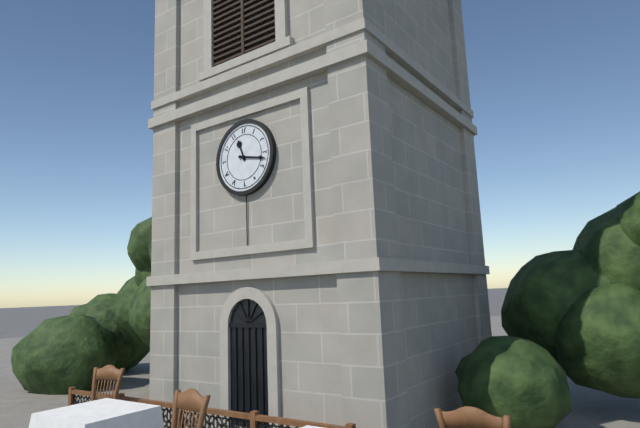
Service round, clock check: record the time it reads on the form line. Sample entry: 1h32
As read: 11h17
